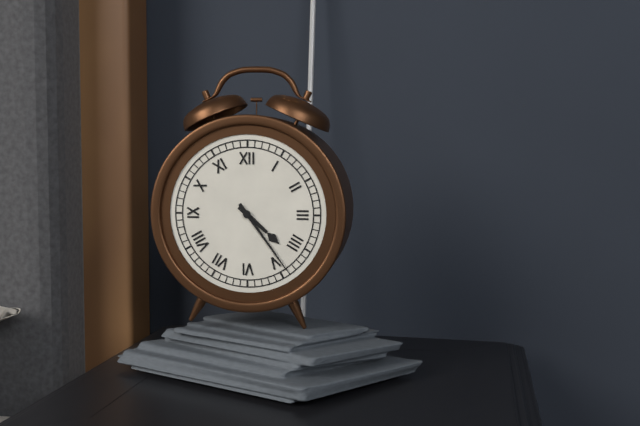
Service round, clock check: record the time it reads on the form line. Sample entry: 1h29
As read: 4h24
